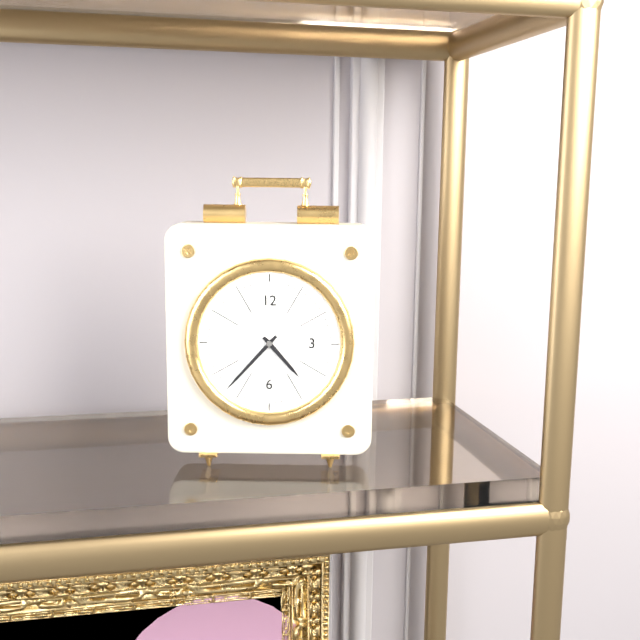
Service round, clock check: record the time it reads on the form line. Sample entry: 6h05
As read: 4h37
